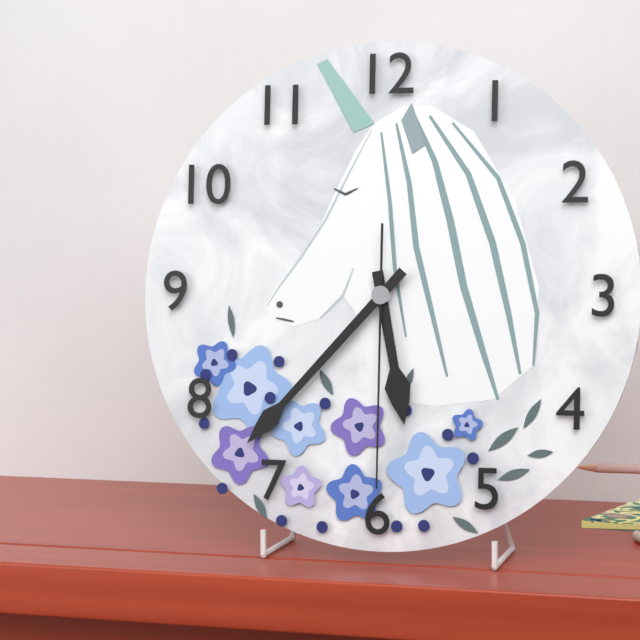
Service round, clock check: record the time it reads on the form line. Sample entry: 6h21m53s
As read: 5h37m30s
